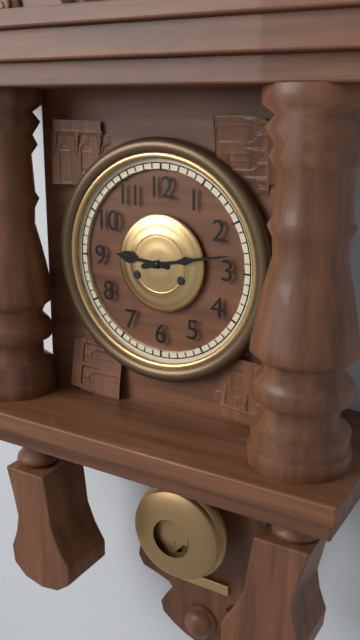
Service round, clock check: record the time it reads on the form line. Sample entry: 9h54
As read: 9h13
